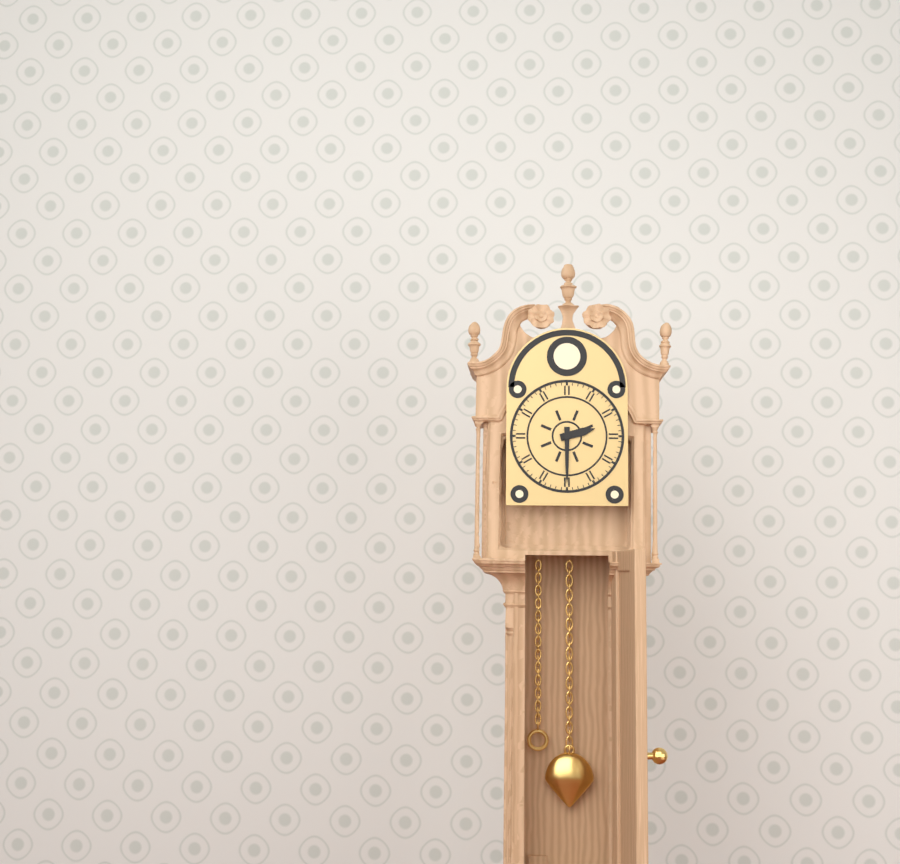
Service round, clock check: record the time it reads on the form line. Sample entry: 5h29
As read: 2h30
